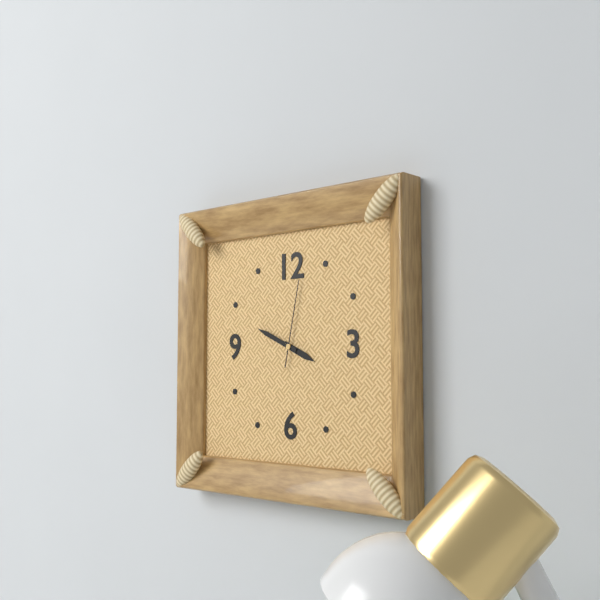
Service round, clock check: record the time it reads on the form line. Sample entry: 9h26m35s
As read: 3h49m02s
